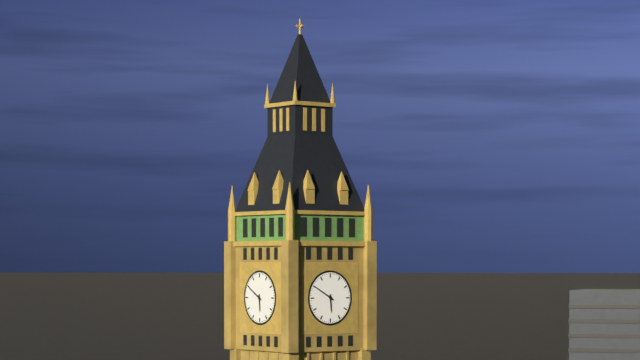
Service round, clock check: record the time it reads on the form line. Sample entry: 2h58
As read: 5h50
